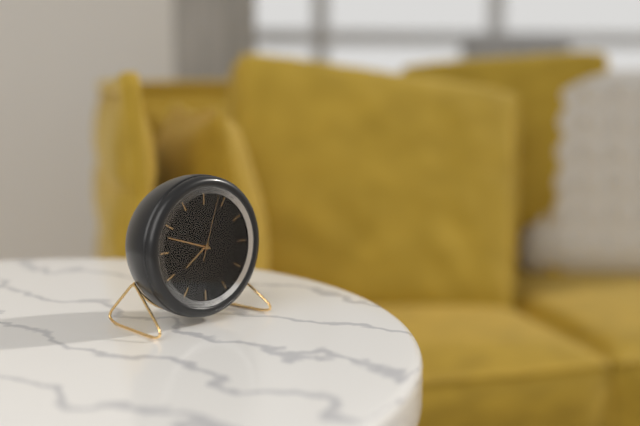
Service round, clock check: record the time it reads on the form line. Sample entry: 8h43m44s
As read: 7h48m03s
